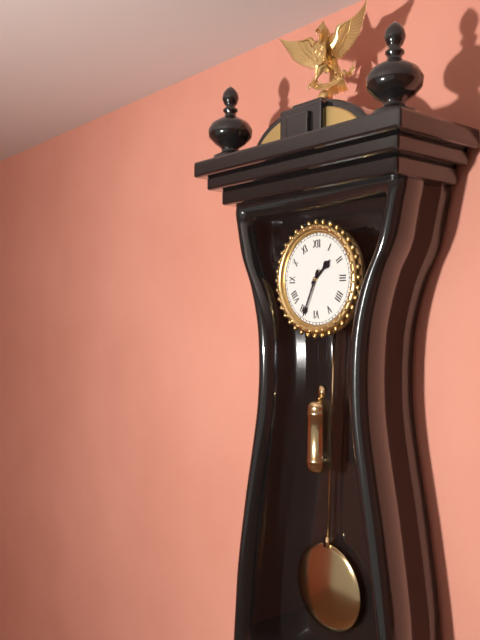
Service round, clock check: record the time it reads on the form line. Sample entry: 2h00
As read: 1h34
